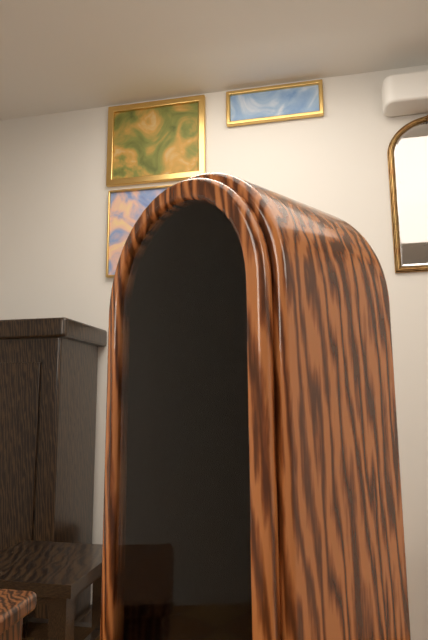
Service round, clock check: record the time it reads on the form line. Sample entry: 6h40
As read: 11h30
